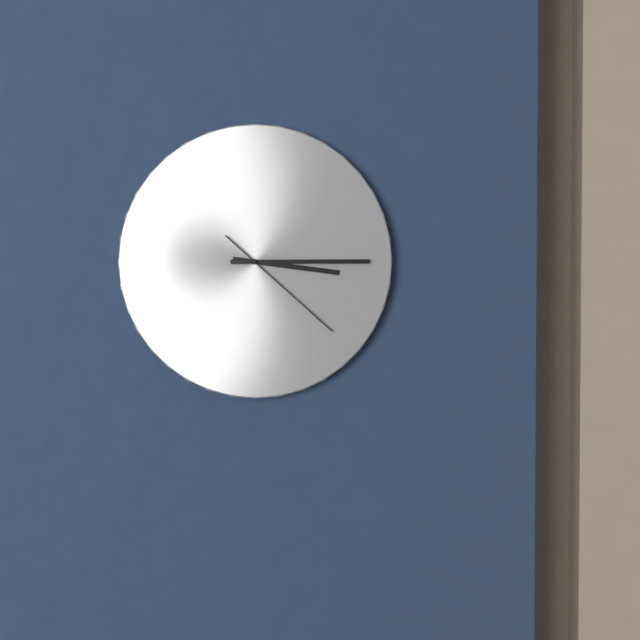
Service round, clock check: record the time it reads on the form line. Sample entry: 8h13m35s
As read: 3h15m22s
